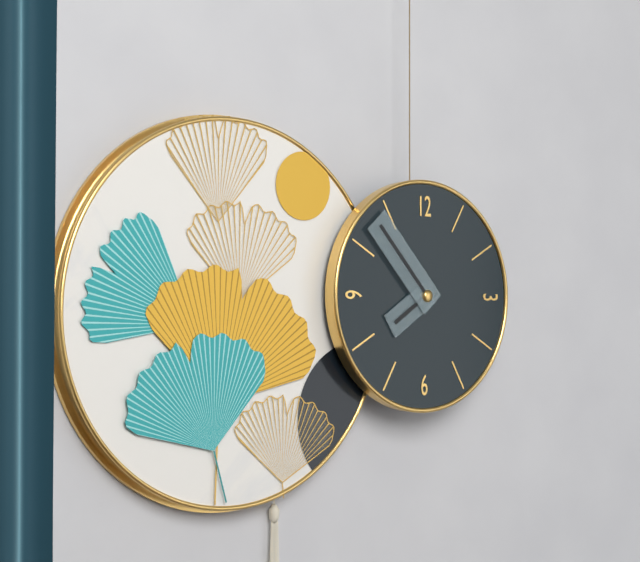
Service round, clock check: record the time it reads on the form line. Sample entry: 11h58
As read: 7h53
